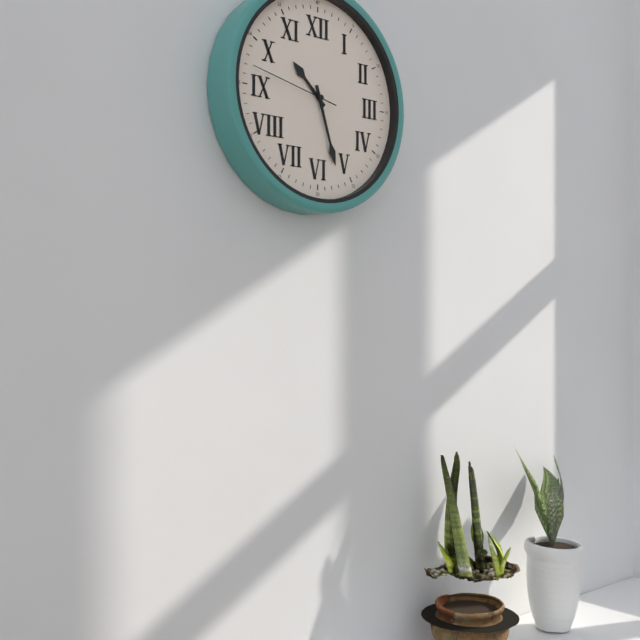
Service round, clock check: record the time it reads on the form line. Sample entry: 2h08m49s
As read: 10h27m47s
